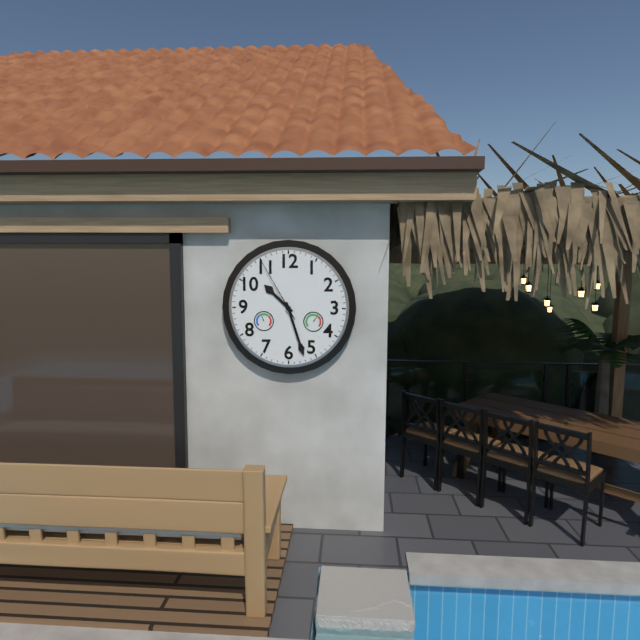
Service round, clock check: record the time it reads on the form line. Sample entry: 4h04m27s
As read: 10h27m55s
